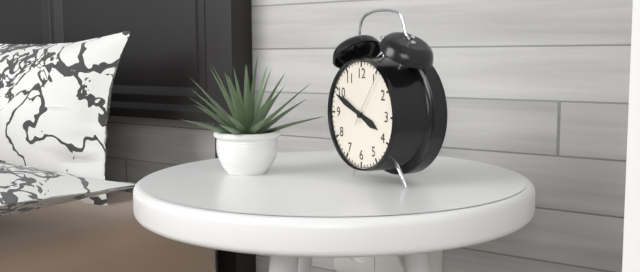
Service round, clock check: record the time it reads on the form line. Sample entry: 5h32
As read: 3h49
